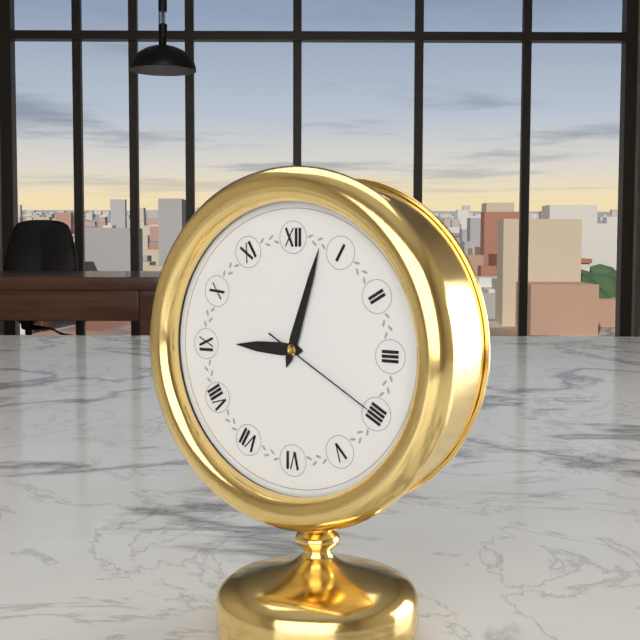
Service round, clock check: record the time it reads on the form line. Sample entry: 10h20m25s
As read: 9h03m20s
